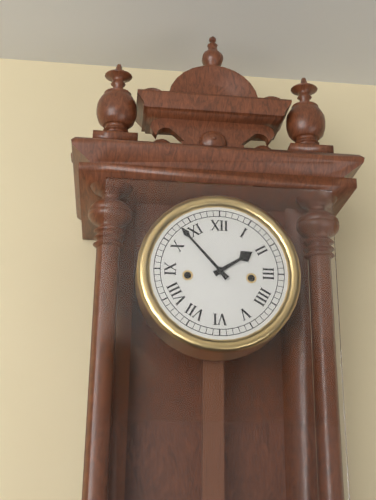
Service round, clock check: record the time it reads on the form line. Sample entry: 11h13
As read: 1h53
